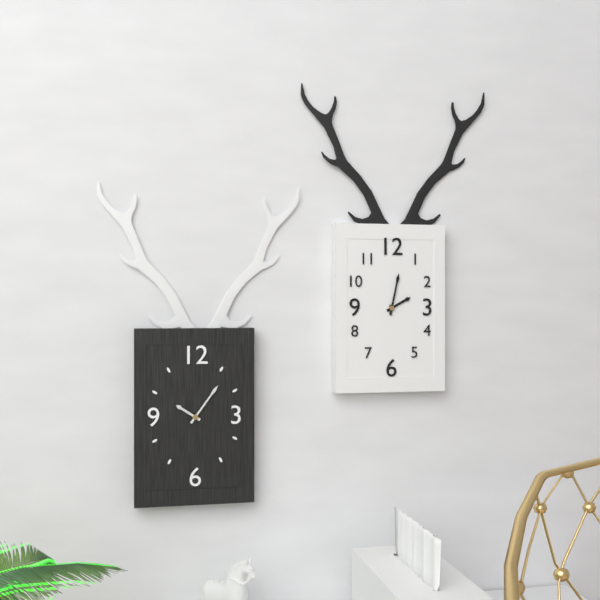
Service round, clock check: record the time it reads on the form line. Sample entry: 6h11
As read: 10h06
